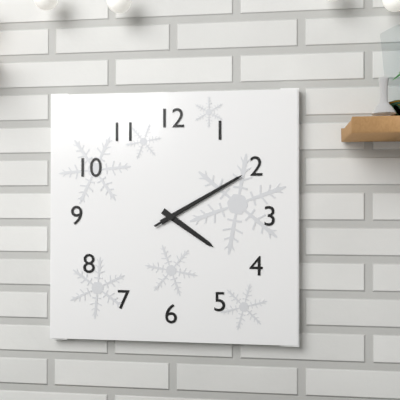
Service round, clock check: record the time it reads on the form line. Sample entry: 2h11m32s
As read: 4h10m10s
